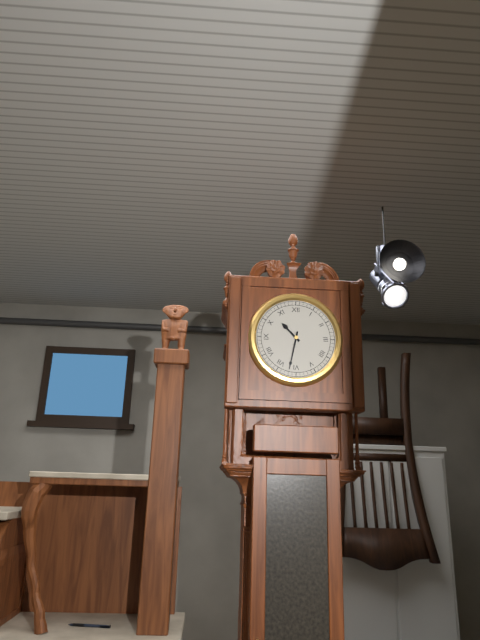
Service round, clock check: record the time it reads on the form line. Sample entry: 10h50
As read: 10h32
